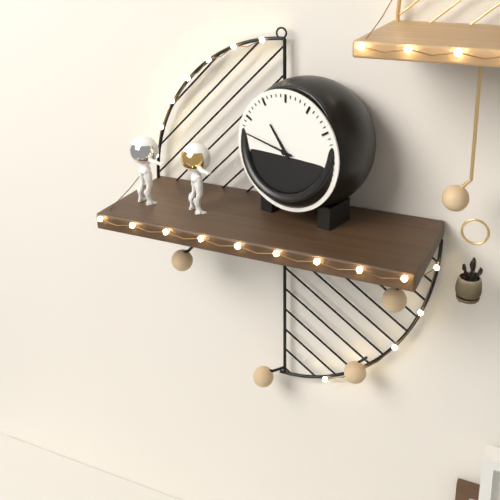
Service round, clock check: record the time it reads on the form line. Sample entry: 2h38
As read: 10h47
